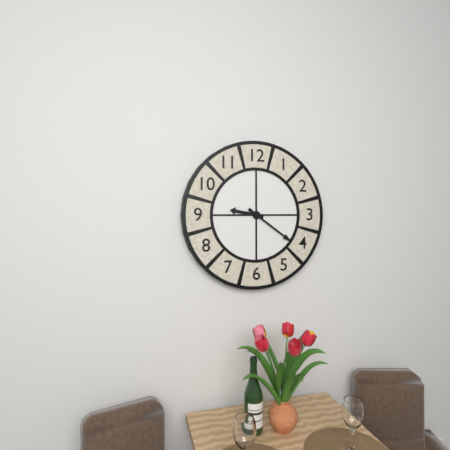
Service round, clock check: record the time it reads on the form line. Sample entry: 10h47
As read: 9h21
